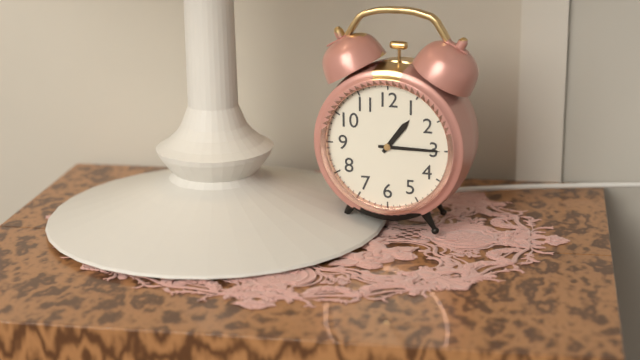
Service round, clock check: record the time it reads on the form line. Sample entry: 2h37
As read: 1h15
